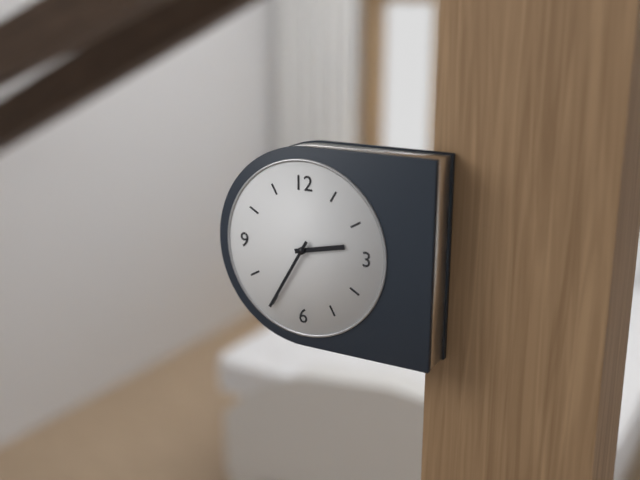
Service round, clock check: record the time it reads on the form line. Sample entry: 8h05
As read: 2h35
